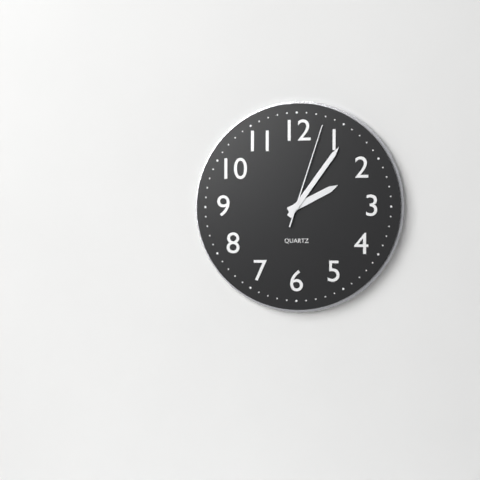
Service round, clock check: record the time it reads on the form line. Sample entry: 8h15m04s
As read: 2h06m03s
